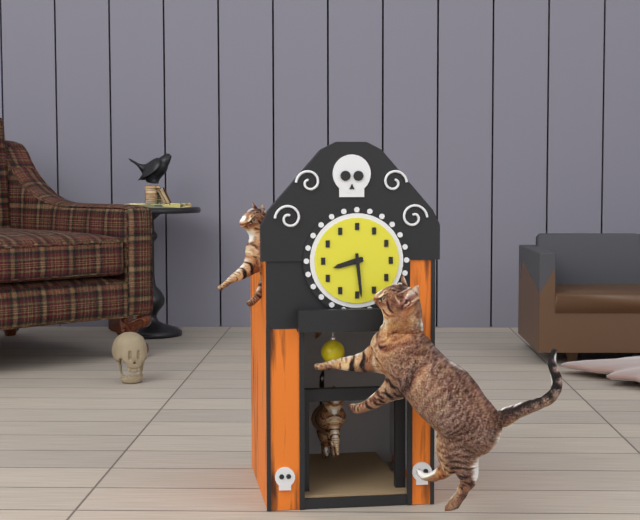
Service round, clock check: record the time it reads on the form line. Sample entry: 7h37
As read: 8h29
